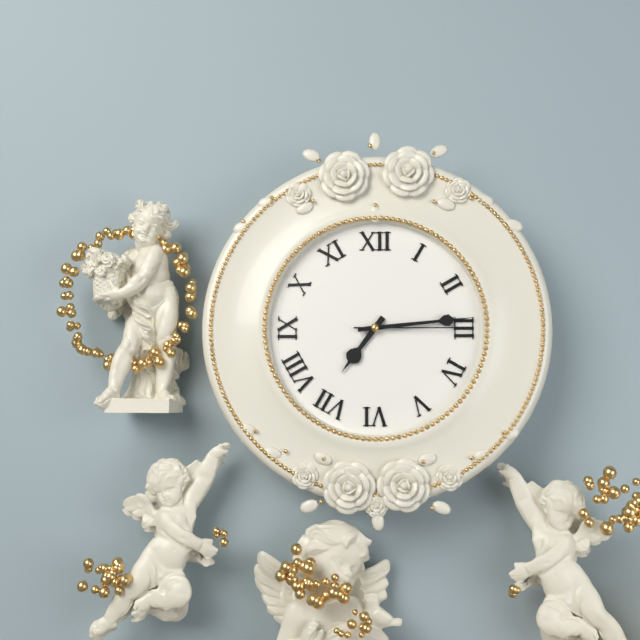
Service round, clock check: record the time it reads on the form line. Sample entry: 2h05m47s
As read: 7h14m15s
